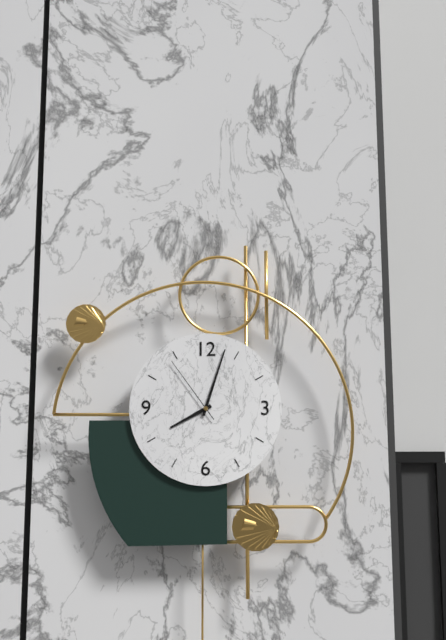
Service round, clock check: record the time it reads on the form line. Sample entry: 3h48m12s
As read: 8h03m54s
